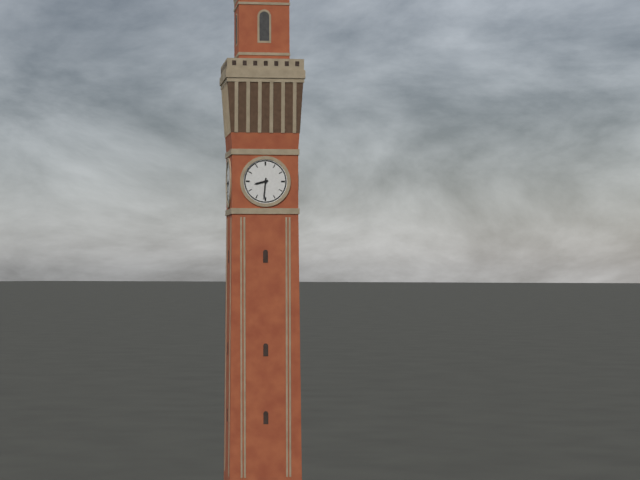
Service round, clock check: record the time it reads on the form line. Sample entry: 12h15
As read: 8h31
